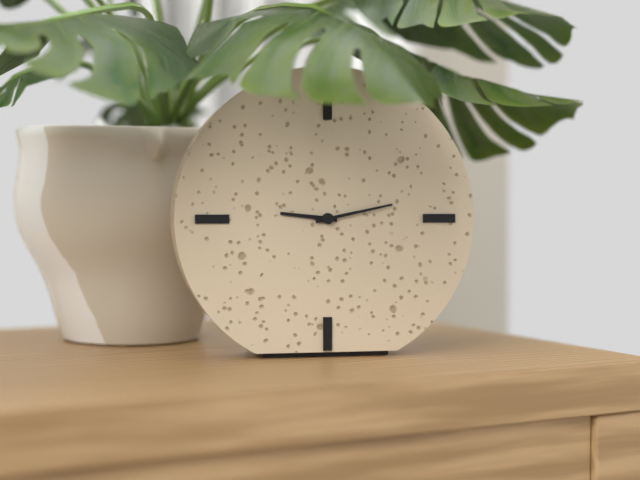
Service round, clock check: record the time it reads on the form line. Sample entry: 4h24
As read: 9h13
